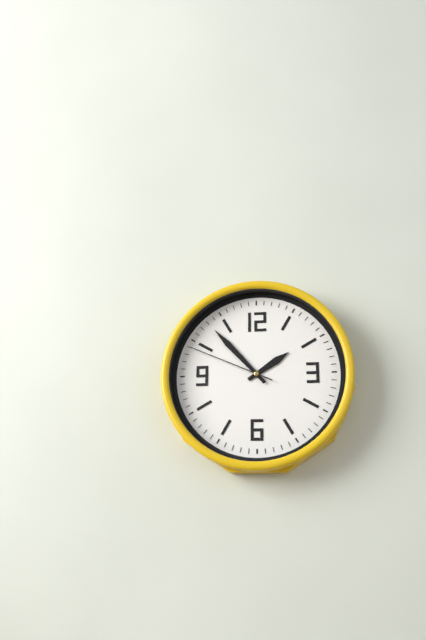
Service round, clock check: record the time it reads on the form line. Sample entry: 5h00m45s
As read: 1h53m49s
